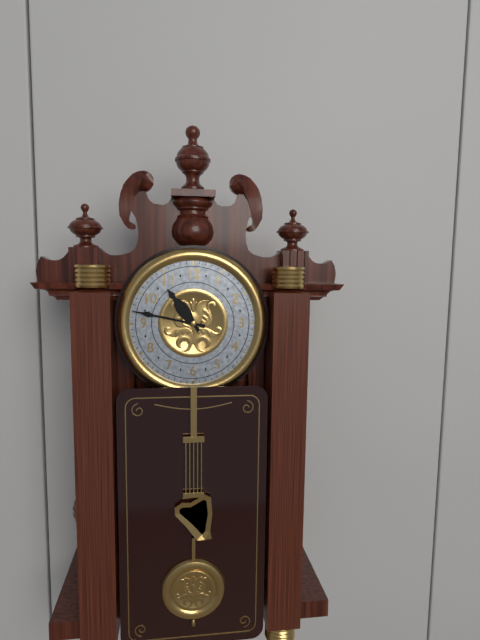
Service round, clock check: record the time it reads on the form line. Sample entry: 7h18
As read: 10h47
